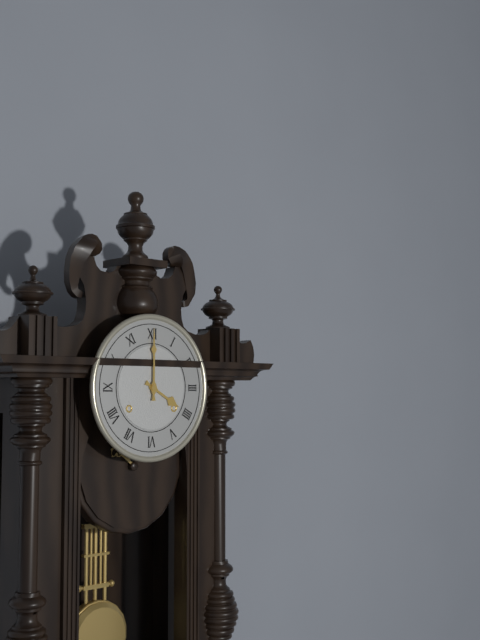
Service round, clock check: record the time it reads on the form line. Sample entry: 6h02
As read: 4h00
